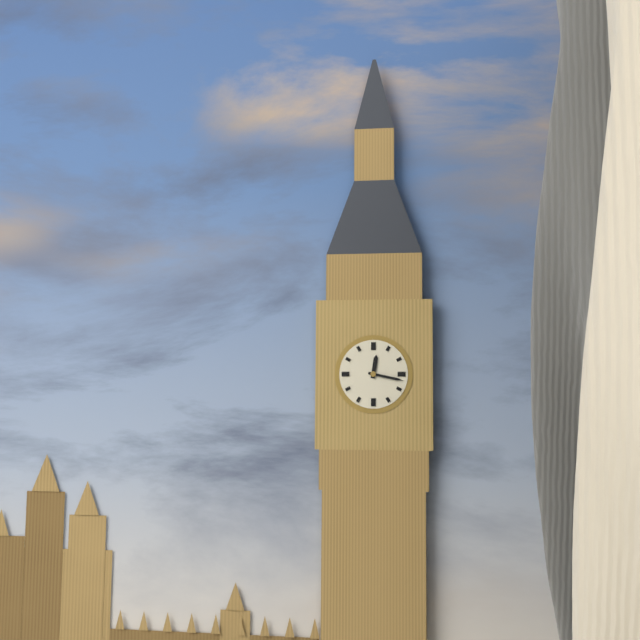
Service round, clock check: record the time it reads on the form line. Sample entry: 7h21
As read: 12h17
